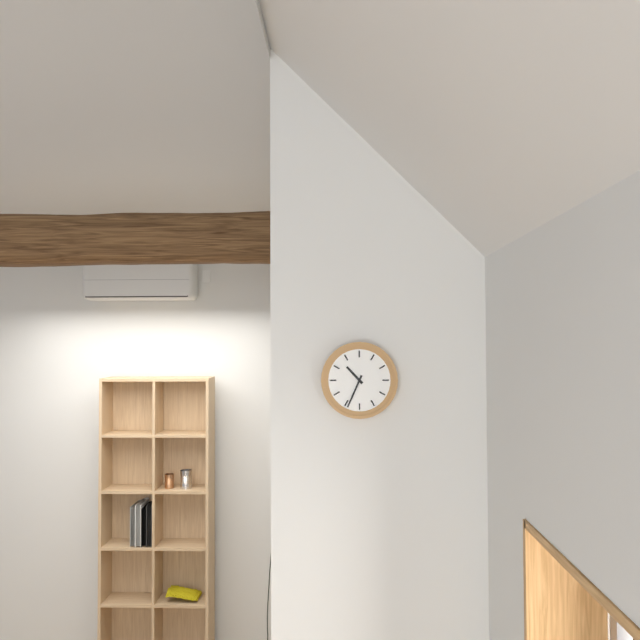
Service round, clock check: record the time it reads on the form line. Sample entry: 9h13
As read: 10h34
